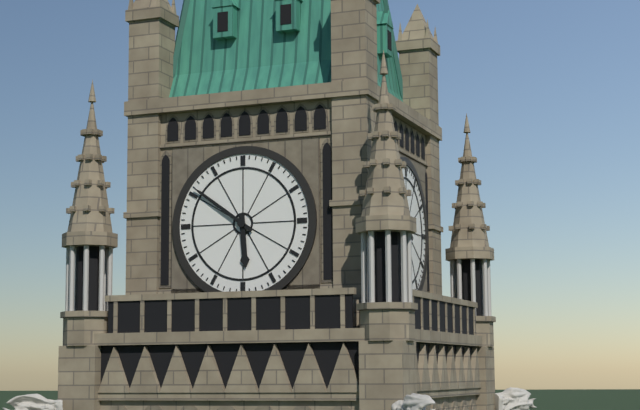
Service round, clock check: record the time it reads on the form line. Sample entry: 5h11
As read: 5h51
